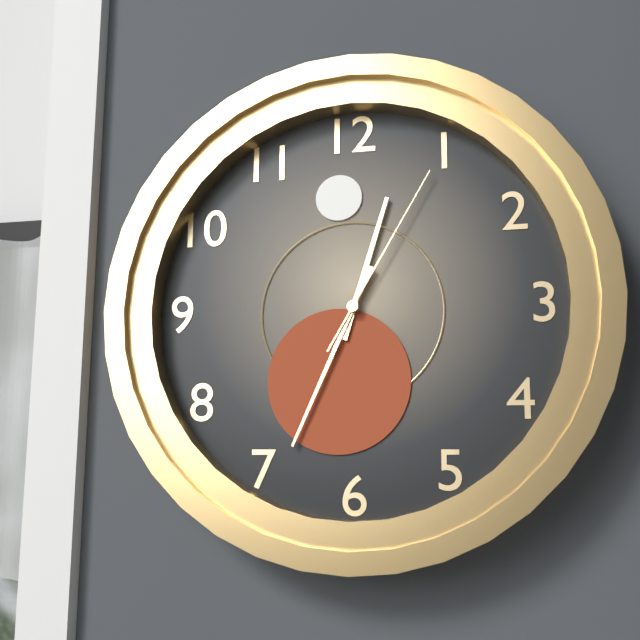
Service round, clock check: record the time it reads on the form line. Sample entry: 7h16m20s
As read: 12h34m05s
